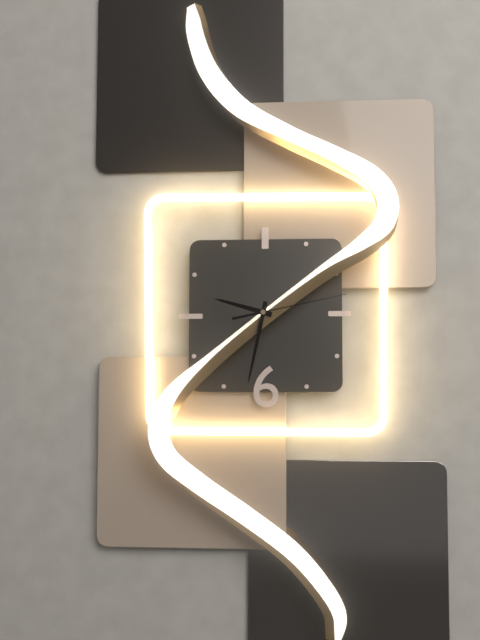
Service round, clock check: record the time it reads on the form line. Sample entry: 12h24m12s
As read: 9h32m13s
